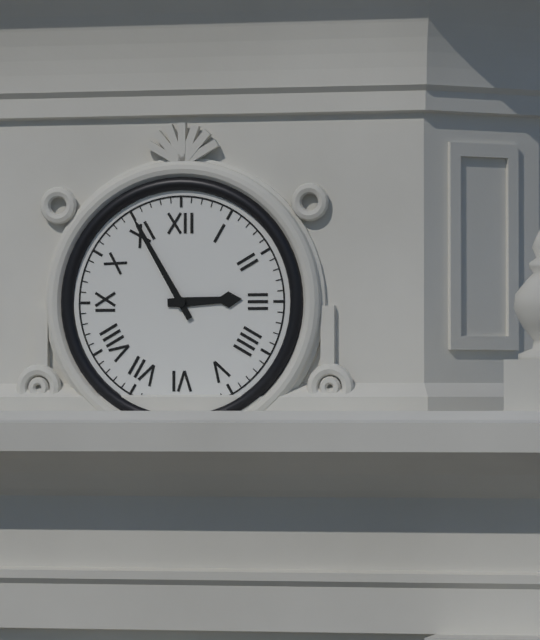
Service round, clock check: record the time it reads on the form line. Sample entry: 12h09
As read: 2h55
